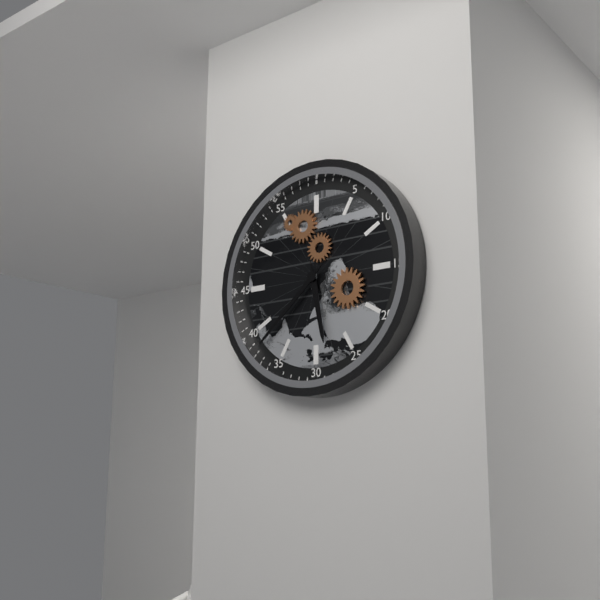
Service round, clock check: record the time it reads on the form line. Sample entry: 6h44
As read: 5h38
